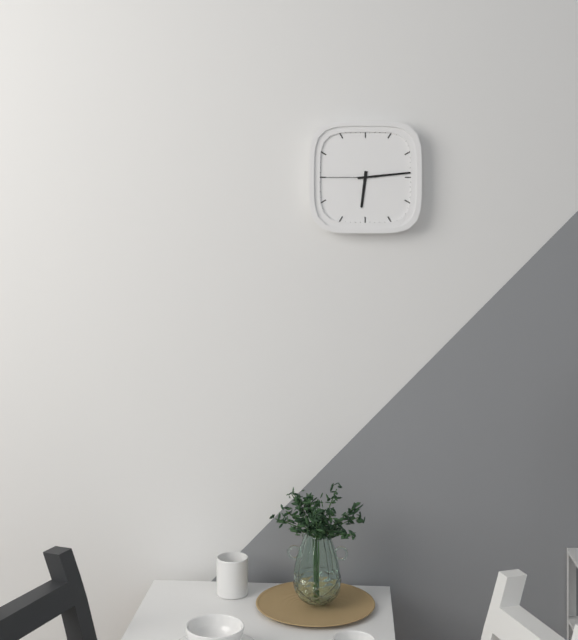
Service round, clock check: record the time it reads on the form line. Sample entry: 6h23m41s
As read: 6h14m45s
